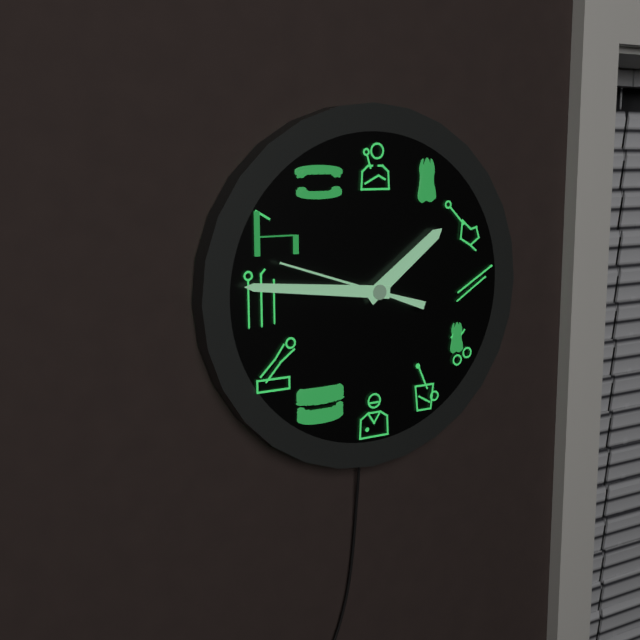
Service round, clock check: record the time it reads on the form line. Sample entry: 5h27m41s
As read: 1h46m48s
